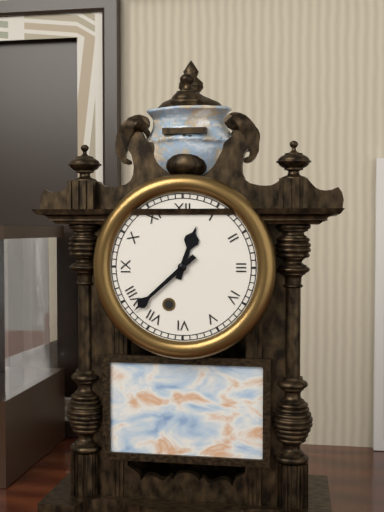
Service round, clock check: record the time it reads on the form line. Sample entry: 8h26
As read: 12h38
